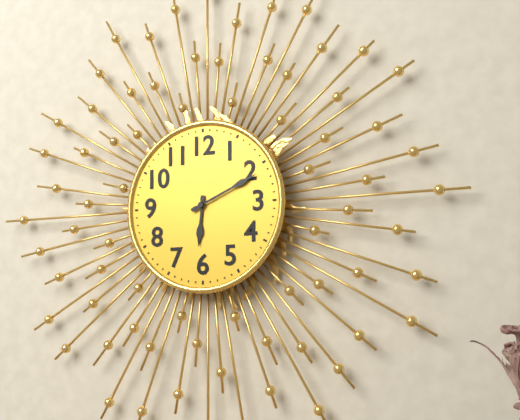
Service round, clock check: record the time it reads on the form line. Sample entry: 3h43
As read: 6h11
